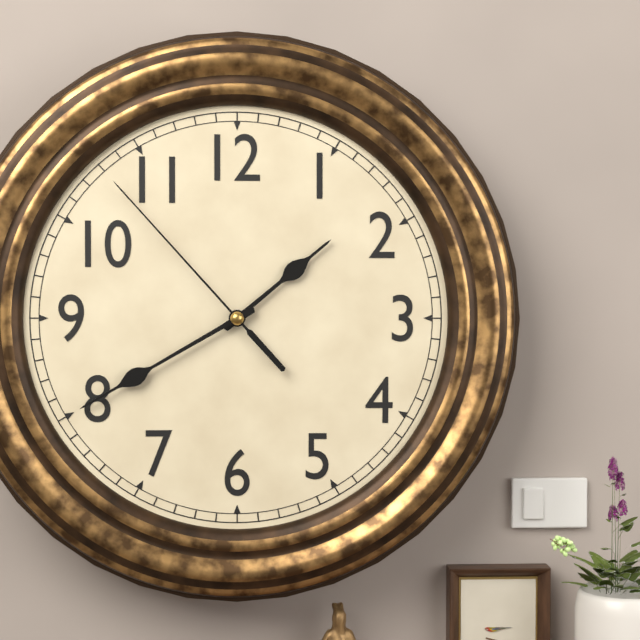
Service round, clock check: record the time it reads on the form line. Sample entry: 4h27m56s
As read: 1h40m53s
